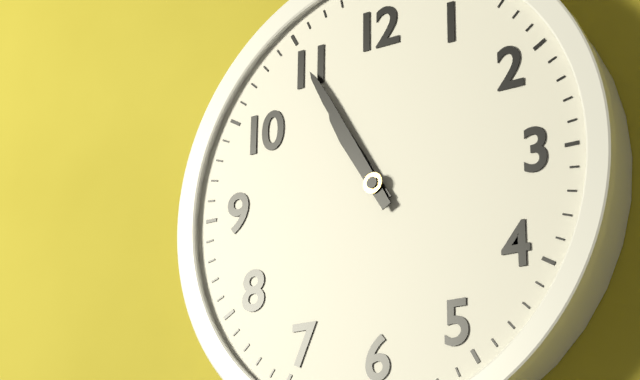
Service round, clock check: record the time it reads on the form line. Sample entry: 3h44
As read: 10h55
